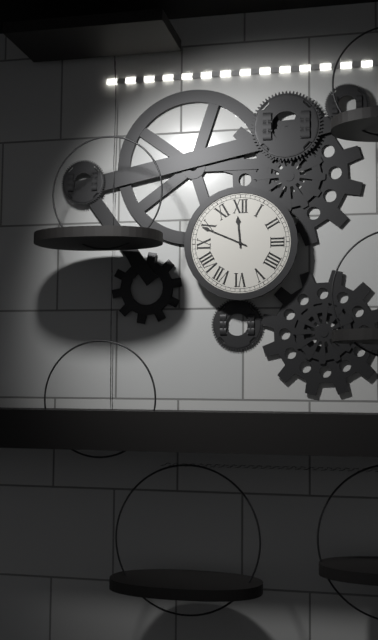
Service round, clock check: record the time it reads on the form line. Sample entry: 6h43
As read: 11h49
